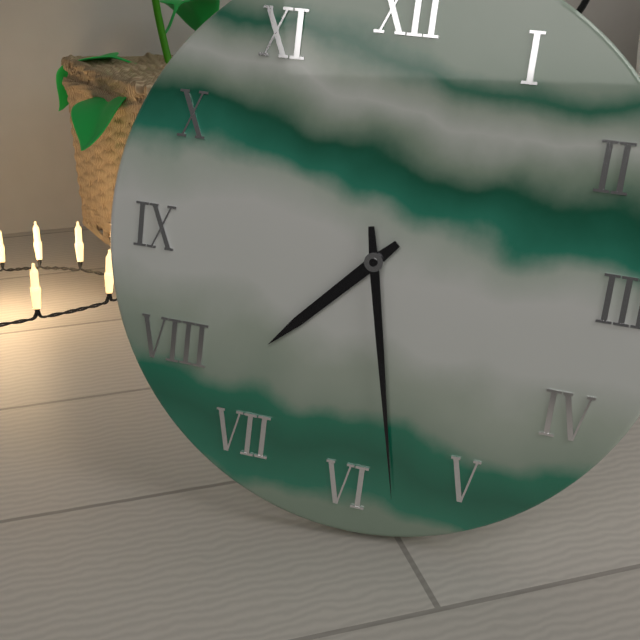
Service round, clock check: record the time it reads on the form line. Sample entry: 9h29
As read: 7h28
